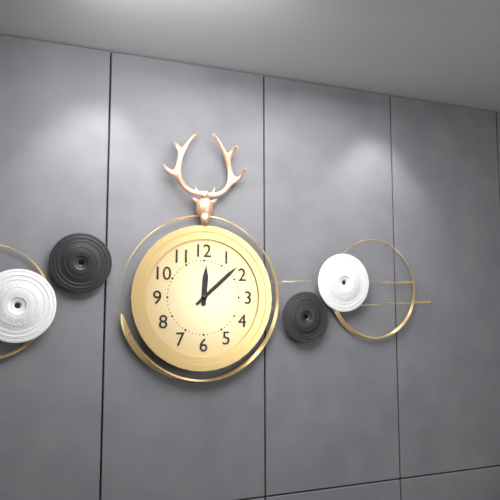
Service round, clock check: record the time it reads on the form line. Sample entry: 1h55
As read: 12h08
